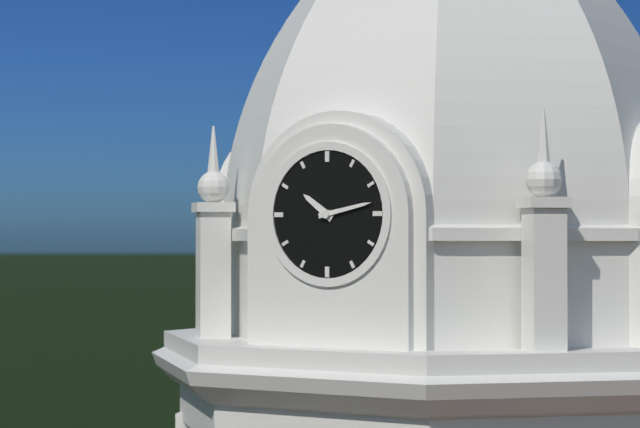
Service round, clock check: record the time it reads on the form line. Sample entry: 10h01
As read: 10h13
